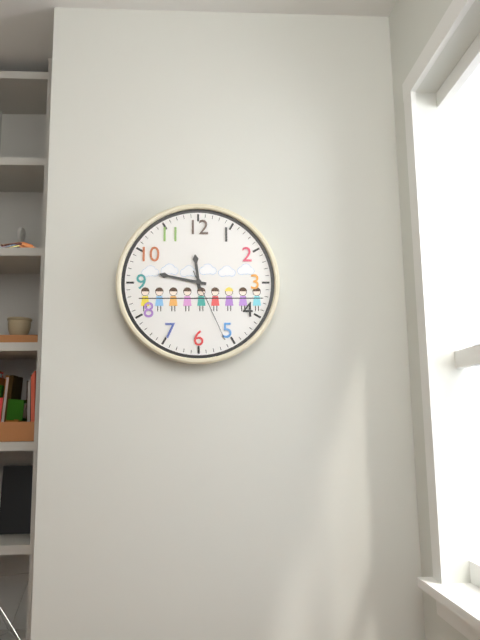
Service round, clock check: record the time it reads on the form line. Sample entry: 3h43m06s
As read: 11h47m26s
